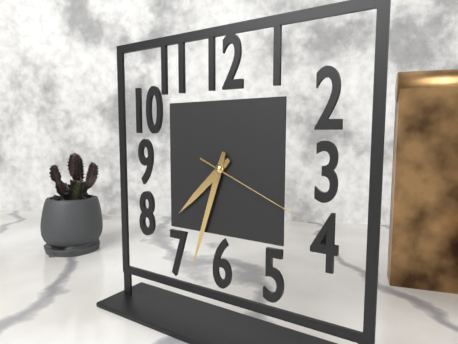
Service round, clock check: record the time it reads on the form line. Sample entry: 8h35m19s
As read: 7h33m19s
